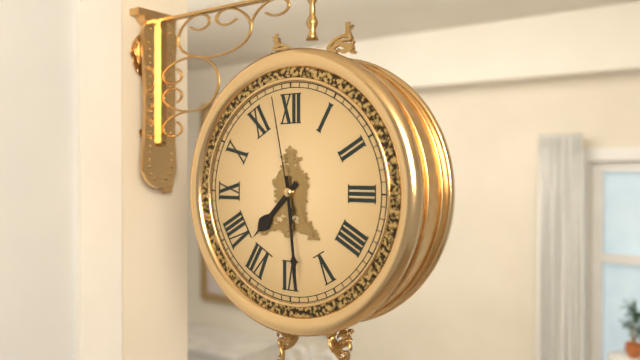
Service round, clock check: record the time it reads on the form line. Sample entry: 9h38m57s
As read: 7h29m58s
